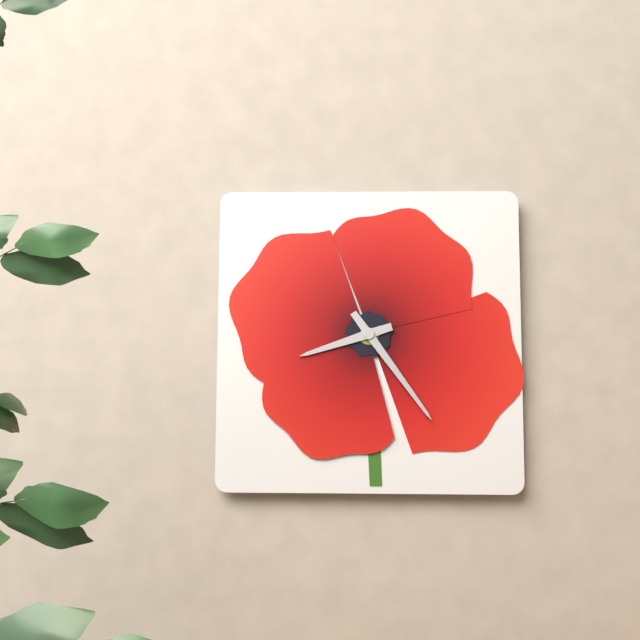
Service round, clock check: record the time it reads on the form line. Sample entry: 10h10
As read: 8h24
